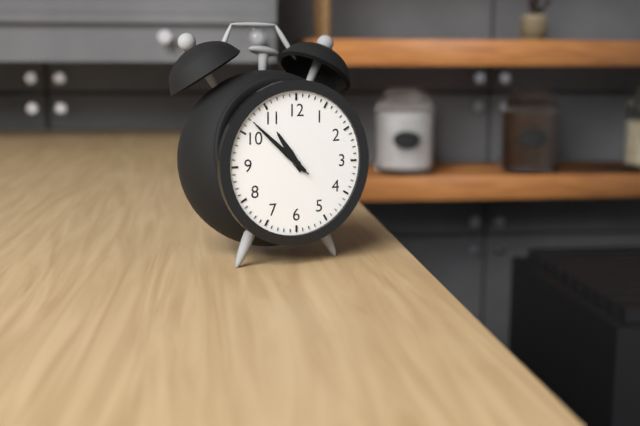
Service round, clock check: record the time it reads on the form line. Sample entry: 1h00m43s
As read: 10h52m52s
